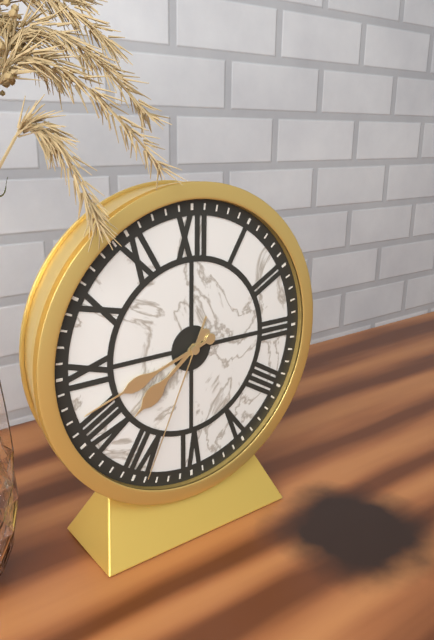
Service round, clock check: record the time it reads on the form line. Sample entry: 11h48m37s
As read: 7h42m34s
